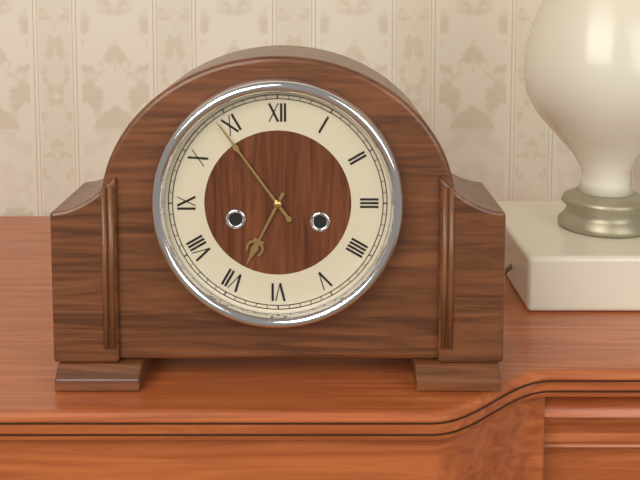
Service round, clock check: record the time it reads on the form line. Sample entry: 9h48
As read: 6h54
